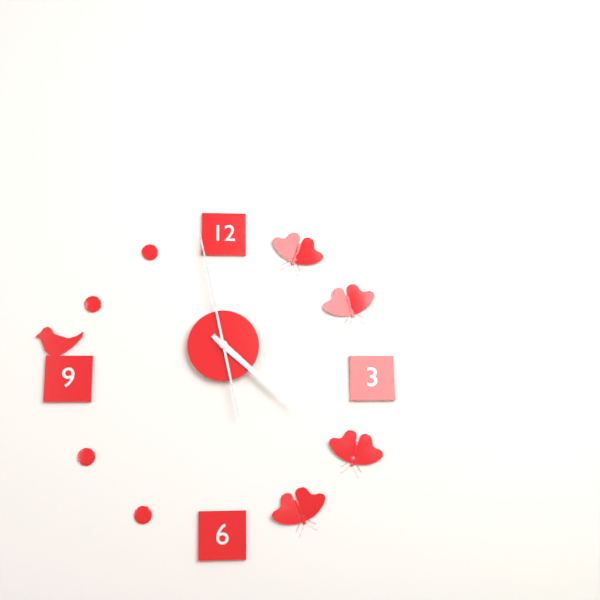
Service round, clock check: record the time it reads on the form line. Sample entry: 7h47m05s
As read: 4h22m58s
